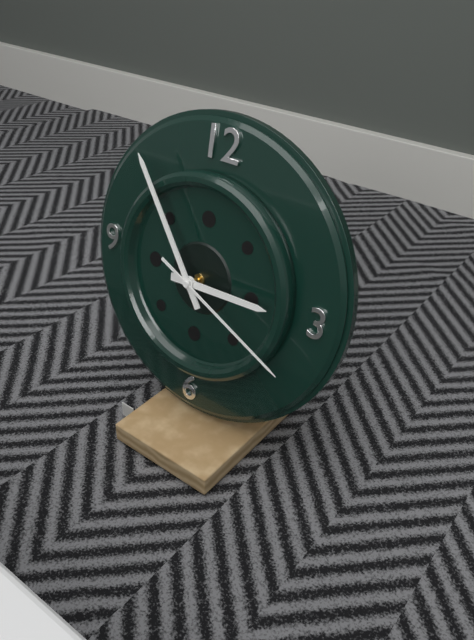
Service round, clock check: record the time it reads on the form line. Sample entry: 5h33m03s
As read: 2h54m19s
